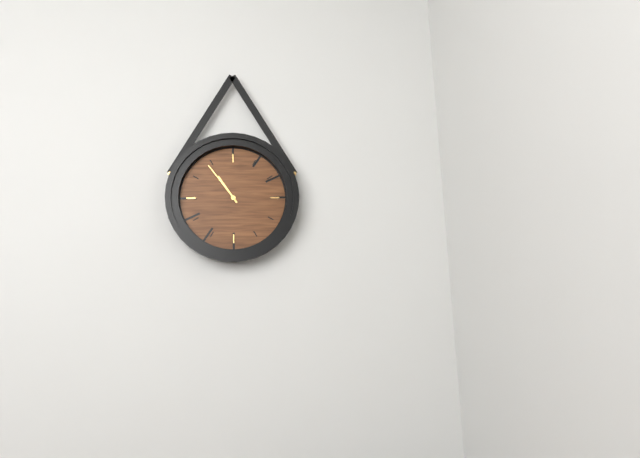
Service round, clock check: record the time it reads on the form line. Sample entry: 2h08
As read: 10h54
